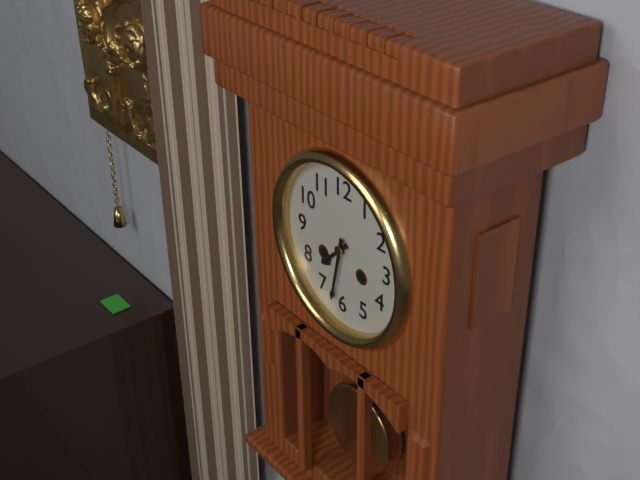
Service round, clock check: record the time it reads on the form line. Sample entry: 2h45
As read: 7h32
